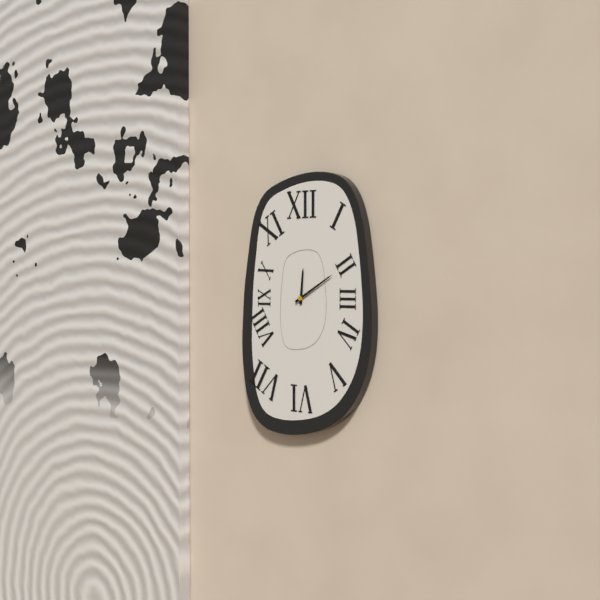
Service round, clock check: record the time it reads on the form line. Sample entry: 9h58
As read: 12h10
